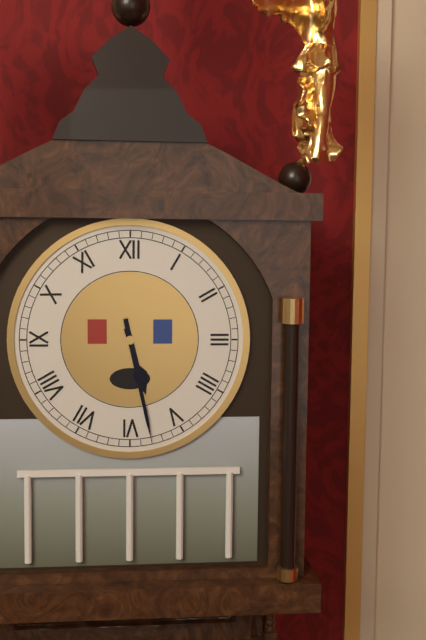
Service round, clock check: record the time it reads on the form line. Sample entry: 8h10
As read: 5h28
